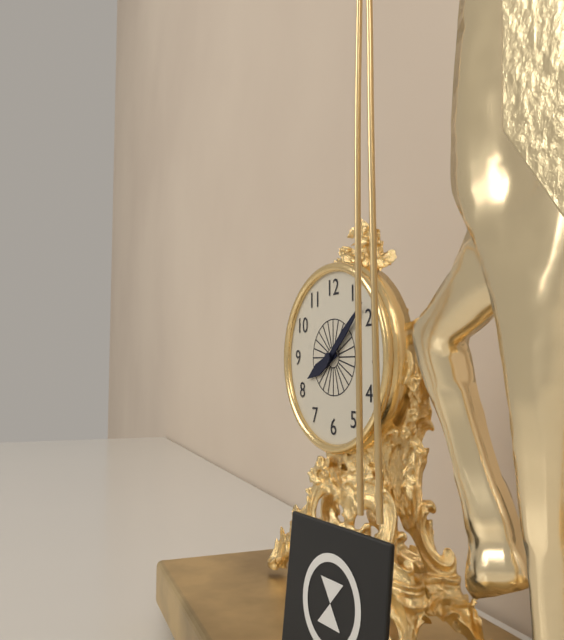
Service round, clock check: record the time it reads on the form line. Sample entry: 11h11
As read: 8h08
